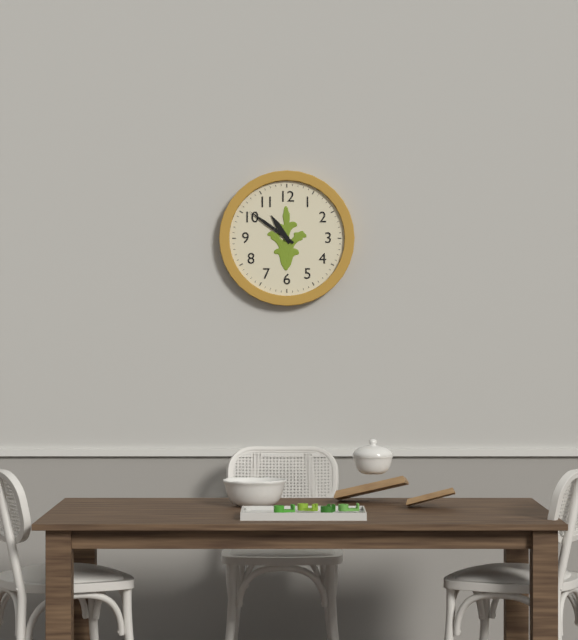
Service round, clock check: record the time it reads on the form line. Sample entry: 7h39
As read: 10h51
